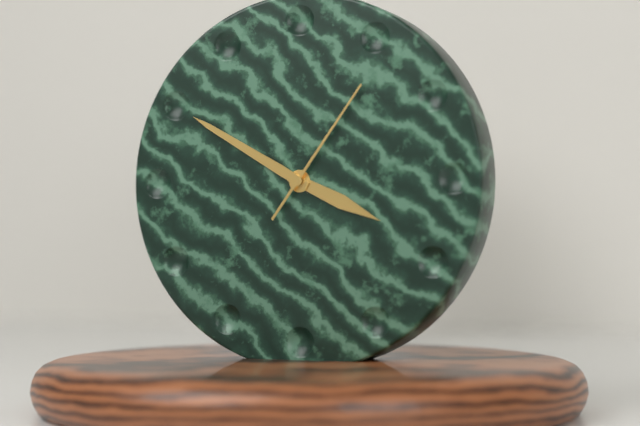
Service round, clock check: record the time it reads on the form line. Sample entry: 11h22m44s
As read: 3h50m06s
